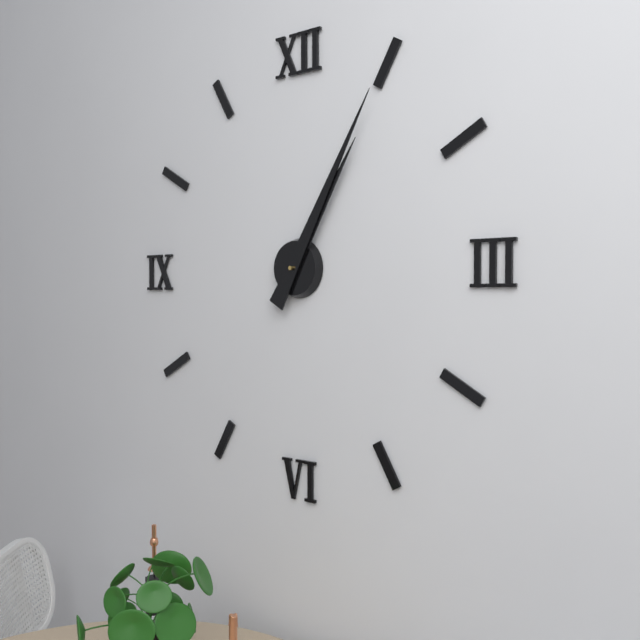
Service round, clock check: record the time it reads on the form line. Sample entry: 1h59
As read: 1h05
